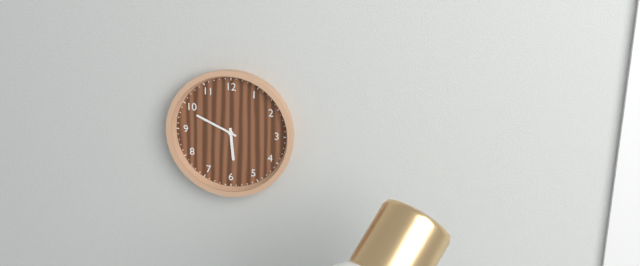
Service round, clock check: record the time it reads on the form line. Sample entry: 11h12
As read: 5h49
